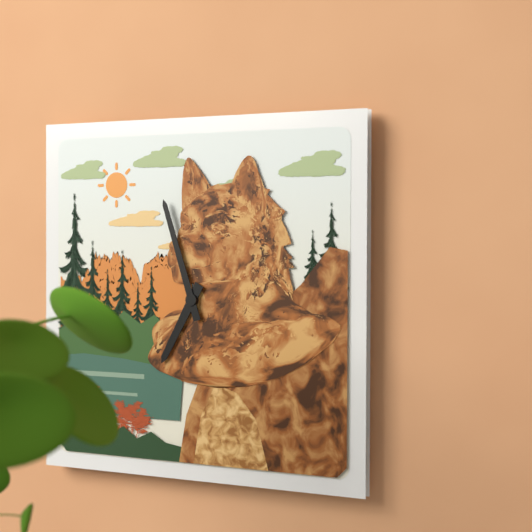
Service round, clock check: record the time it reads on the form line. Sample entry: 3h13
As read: 6h57
